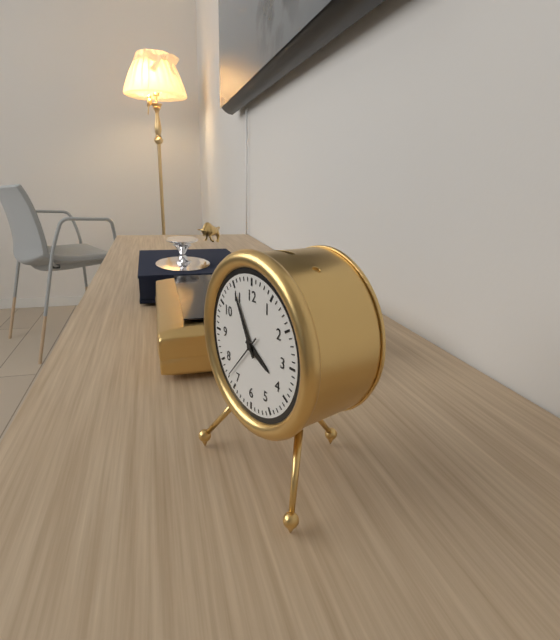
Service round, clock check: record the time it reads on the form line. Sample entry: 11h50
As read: 3h55
